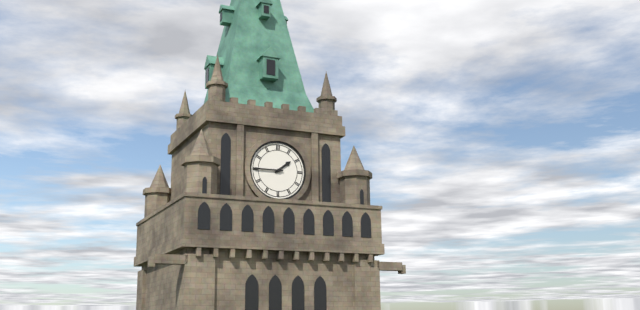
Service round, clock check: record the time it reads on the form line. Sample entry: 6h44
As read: 1h45
